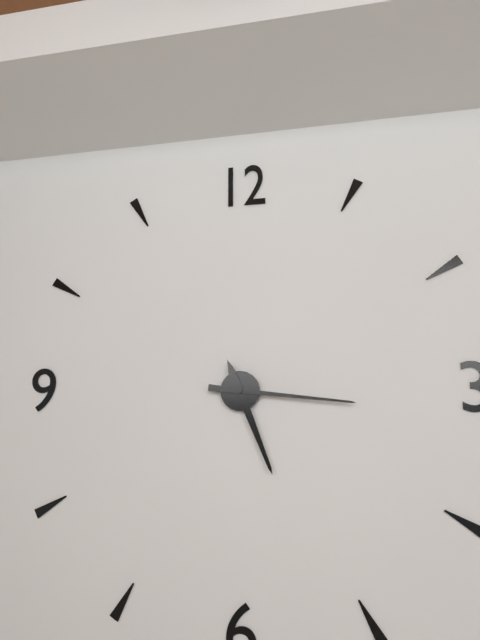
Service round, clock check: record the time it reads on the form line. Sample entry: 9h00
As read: 5h16
